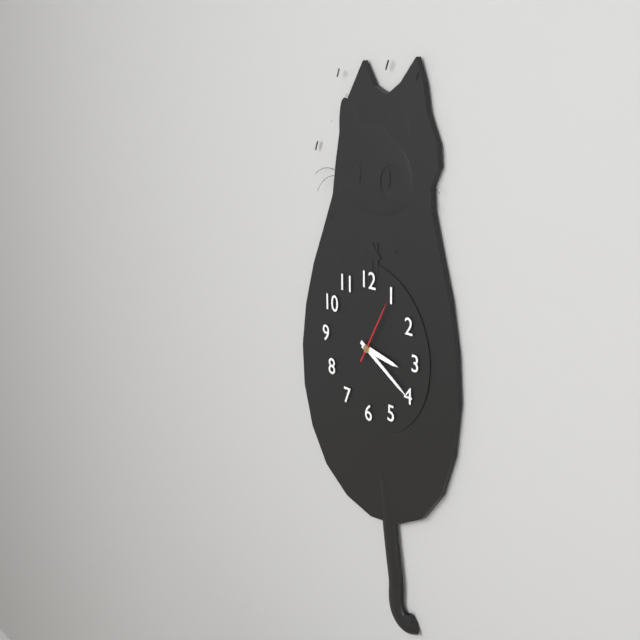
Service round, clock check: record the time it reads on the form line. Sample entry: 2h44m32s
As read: 3h20m05s
